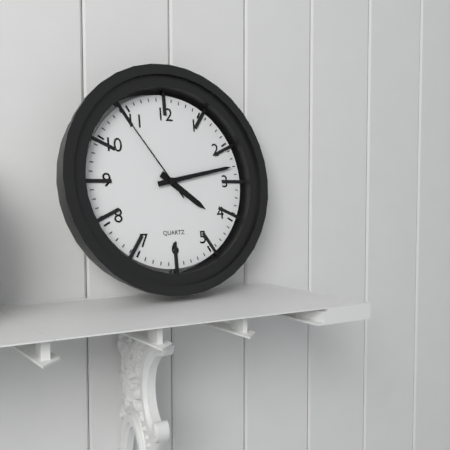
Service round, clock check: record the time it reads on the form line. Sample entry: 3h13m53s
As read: 4h13m54s
